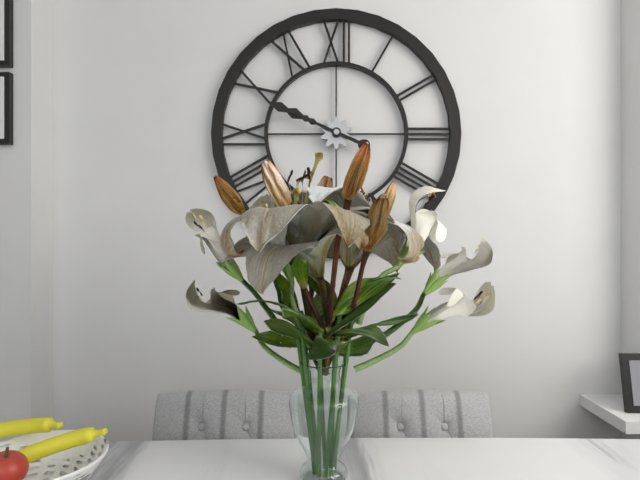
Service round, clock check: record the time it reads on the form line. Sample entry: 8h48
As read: 9h49
